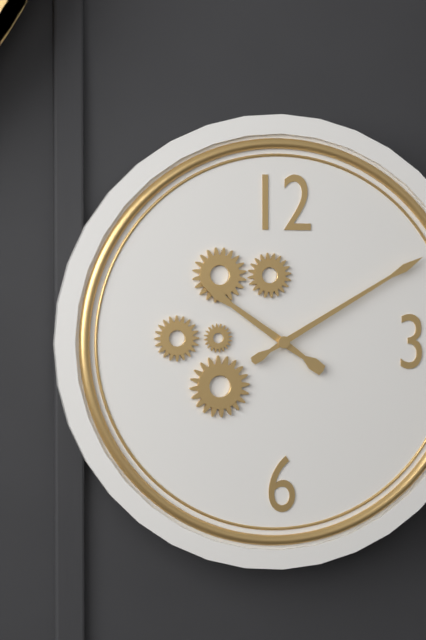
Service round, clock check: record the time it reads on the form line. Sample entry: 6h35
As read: 10h10
